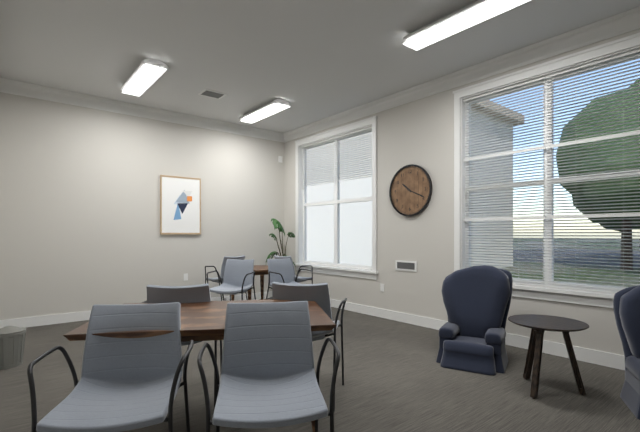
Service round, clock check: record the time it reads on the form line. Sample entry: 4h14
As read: 10h19
